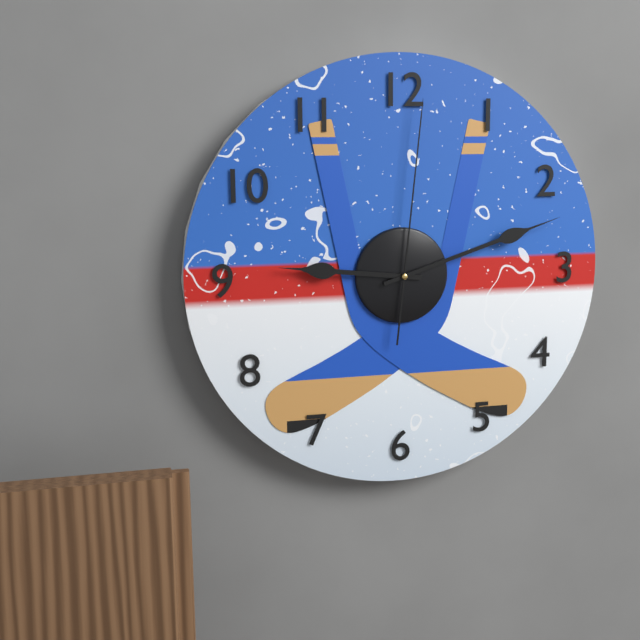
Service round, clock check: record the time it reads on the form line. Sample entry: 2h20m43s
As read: 9h12m01s
